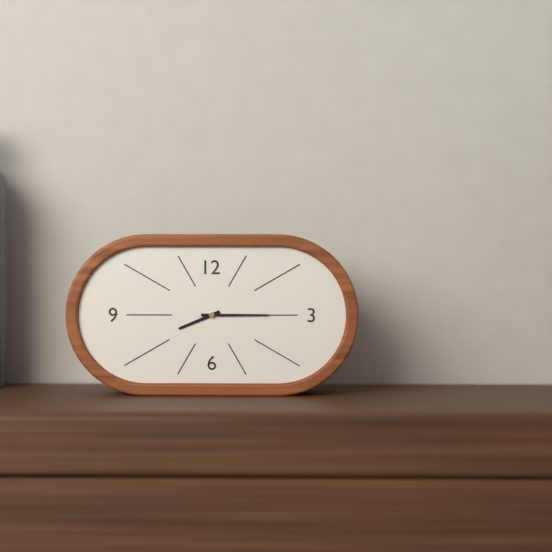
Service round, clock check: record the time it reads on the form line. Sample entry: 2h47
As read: 8h15
